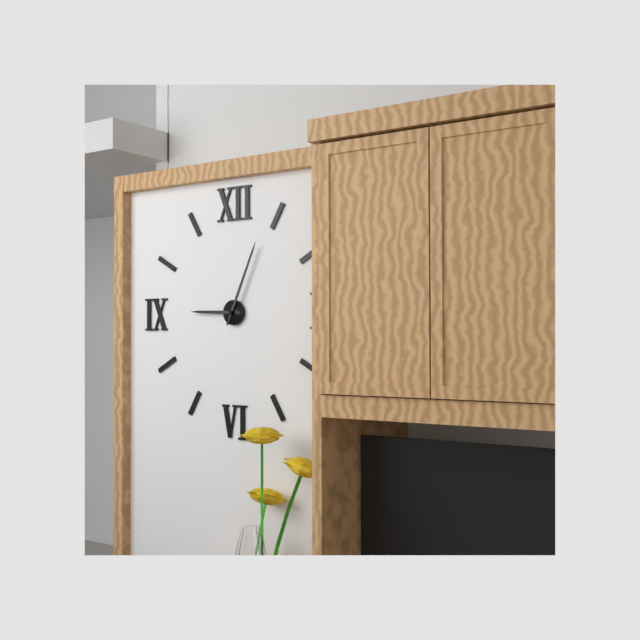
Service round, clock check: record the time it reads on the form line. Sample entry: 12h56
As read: 9h04
